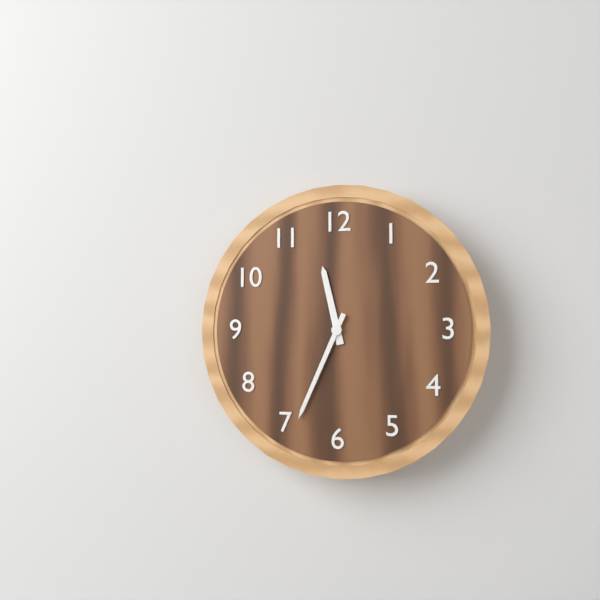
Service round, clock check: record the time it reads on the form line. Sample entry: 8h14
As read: 11h34
